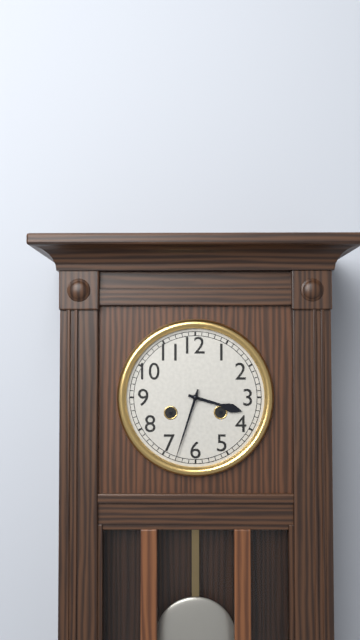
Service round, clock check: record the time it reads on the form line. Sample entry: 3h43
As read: 3h33
